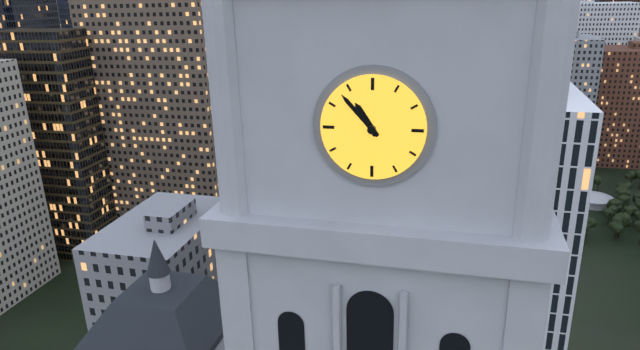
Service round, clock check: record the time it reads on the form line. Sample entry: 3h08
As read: 10h53
